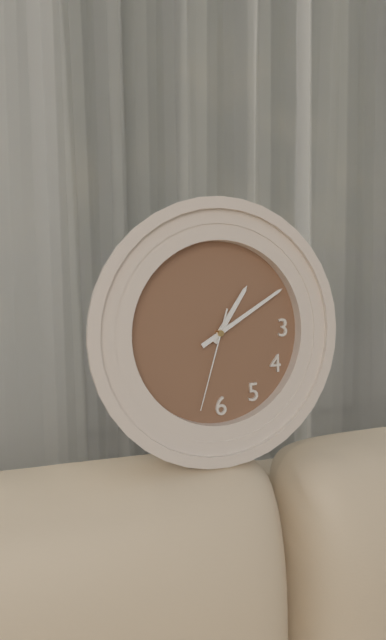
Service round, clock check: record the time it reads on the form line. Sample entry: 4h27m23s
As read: 1h10m33s
